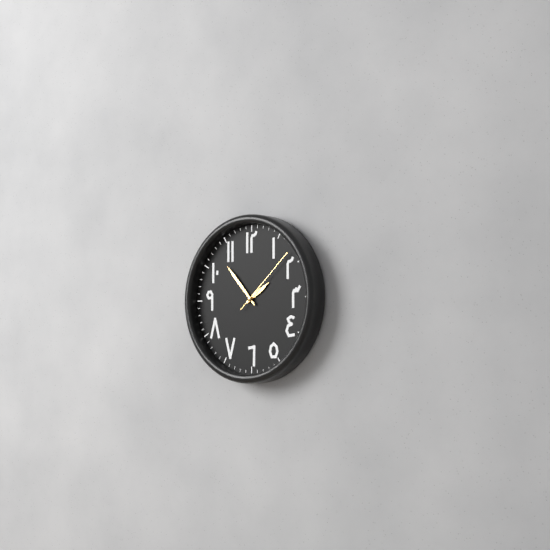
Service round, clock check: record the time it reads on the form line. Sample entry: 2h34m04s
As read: 1h53m08s
